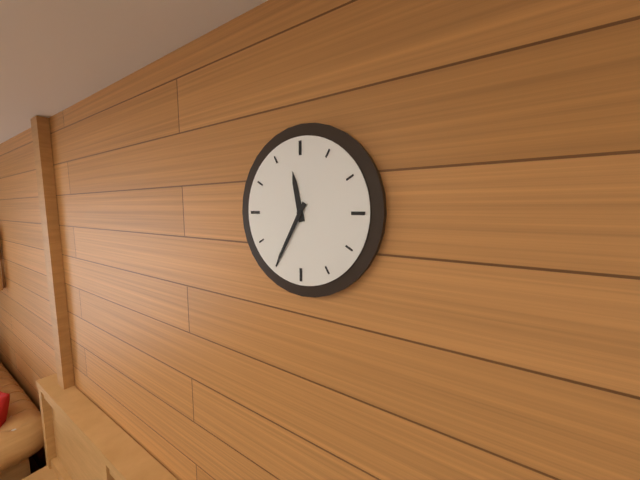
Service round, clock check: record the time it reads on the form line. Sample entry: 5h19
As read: 11h35
